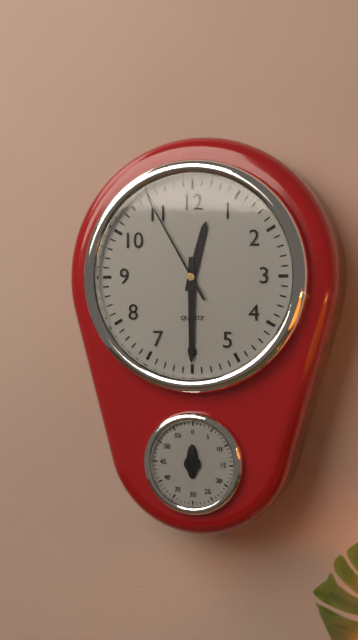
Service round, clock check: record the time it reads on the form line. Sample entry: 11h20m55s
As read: 12h30m55s
